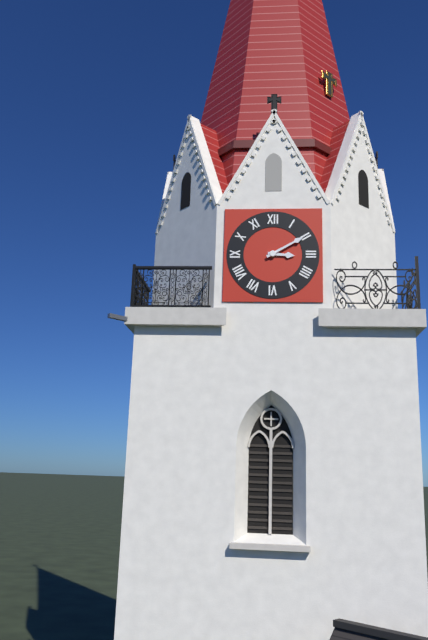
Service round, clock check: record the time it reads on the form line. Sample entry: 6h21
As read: 3h10
